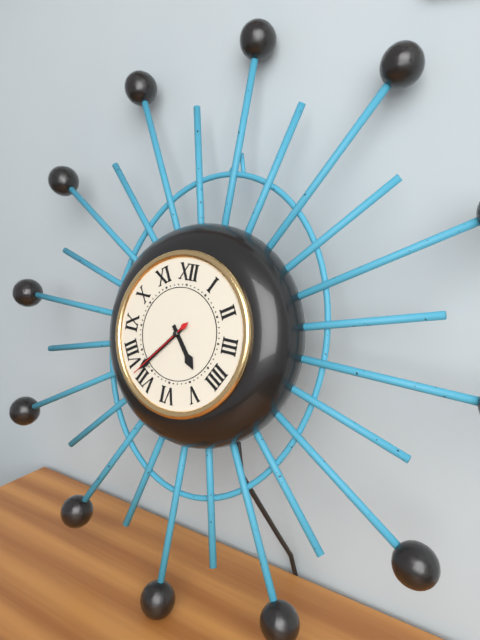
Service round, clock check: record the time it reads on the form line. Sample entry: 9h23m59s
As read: 4h37m37s
